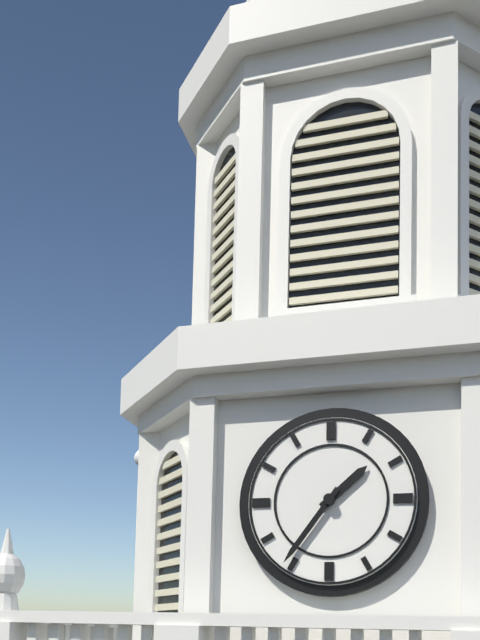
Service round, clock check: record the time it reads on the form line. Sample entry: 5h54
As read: 1h36
